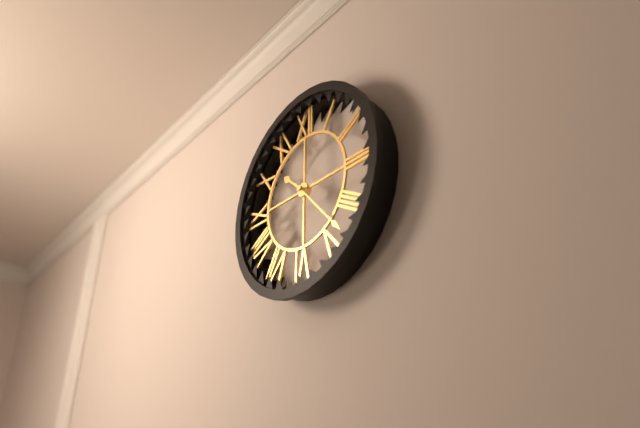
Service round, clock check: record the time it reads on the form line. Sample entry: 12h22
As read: 10h23
